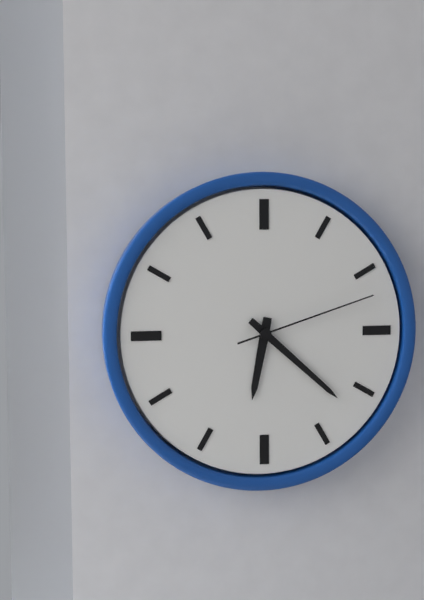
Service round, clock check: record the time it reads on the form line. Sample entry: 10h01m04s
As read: 6h22m12s
